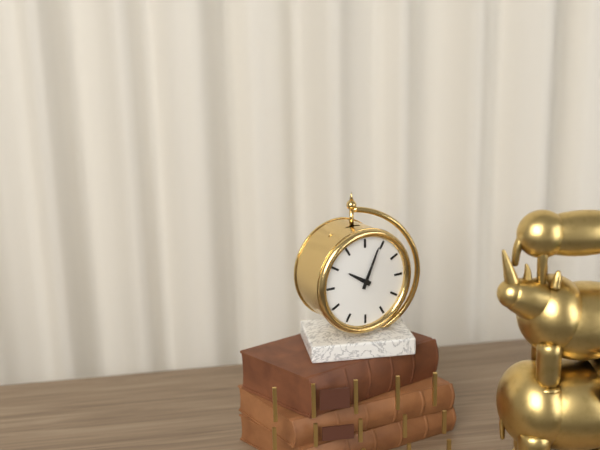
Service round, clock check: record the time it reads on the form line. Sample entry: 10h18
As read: 10h04
